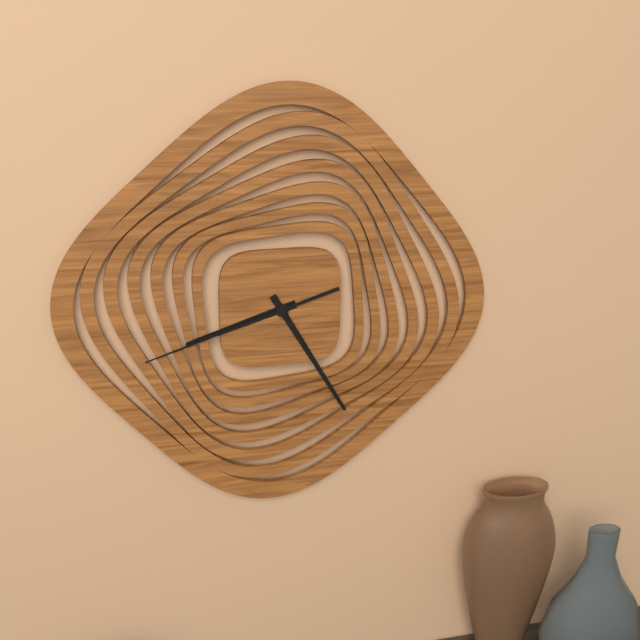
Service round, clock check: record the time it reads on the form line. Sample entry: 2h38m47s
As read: 8h25m42s
